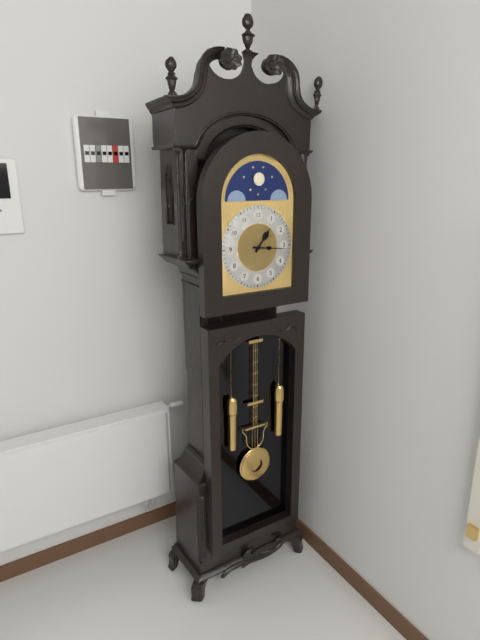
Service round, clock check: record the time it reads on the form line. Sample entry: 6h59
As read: 1h16
